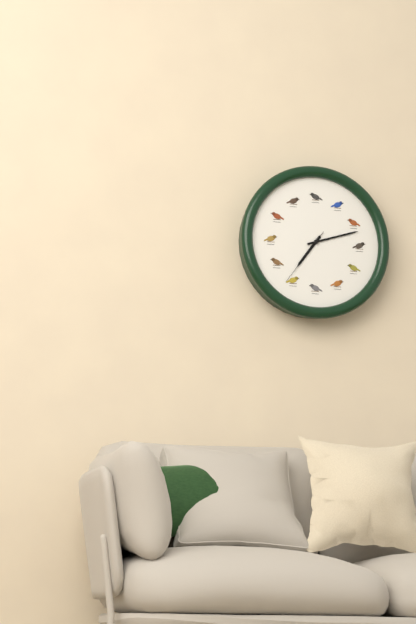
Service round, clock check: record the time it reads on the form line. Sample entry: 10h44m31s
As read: 7h12m36s
